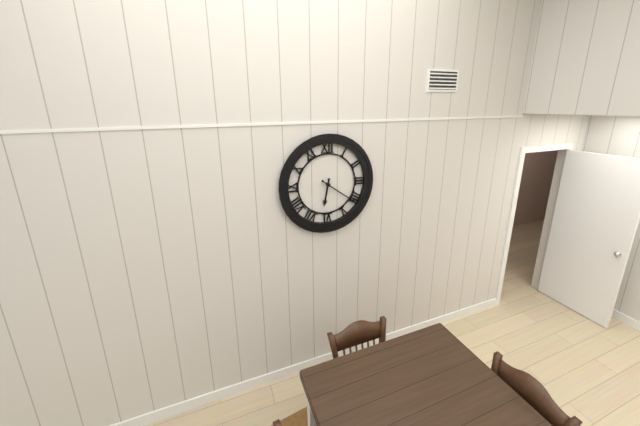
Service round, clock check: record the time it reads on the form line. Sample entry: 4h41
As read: 6h21
